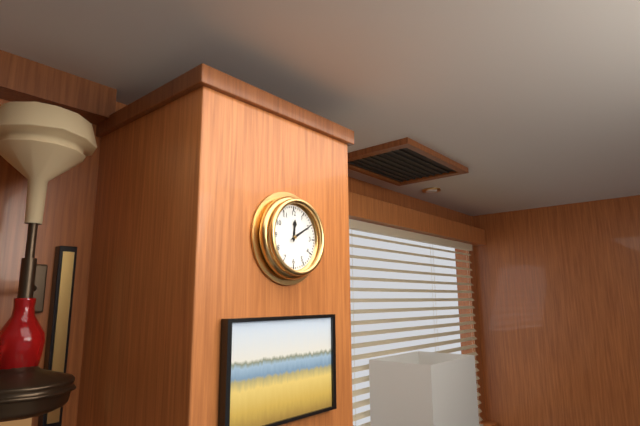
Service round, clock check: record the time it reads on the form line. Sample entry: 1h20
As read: 12h10
